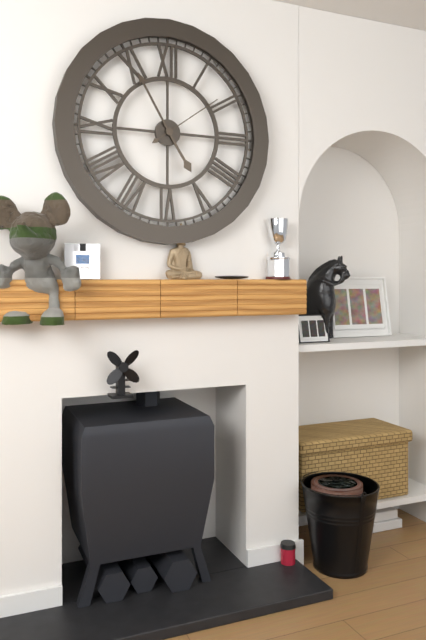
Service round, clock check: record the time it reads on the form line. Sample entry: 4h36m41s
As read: 4h55m09s
